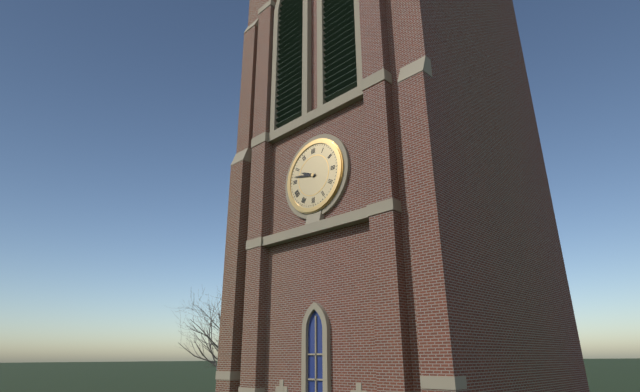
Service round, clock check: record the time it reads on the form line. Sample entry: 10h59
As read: 9h47
